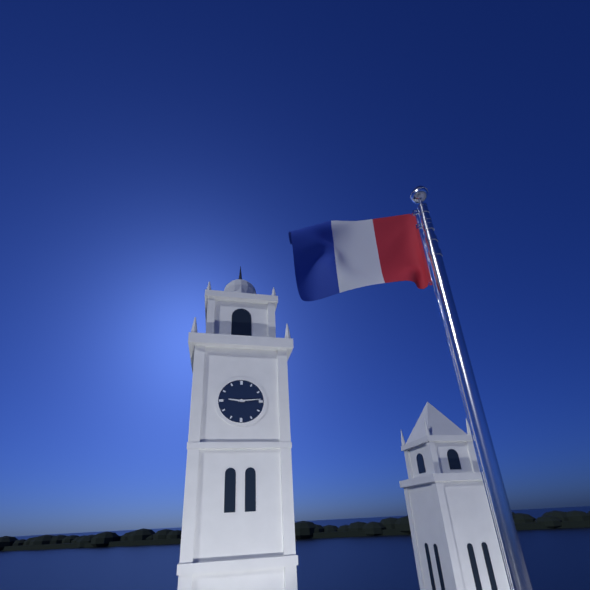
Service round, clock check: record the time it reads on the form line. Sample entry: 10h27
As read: 9h14
